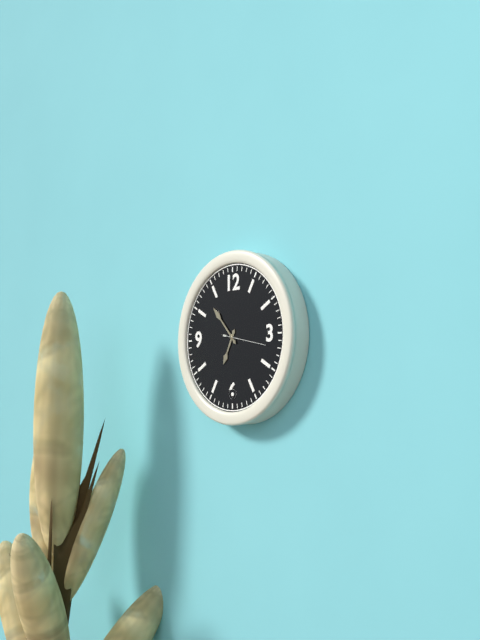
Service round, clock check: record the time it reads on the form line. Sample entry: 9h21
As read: 6h53
